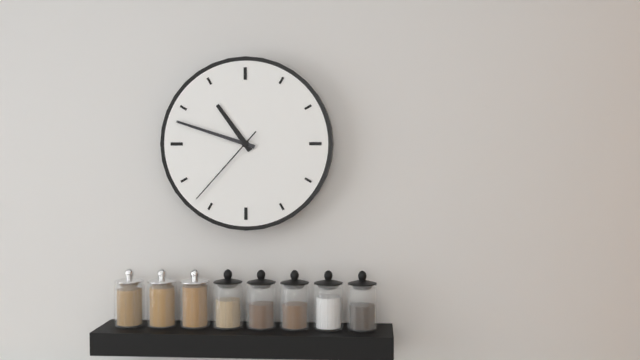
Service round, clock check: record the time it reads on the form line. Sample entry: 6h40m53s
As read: 10h48m37s
